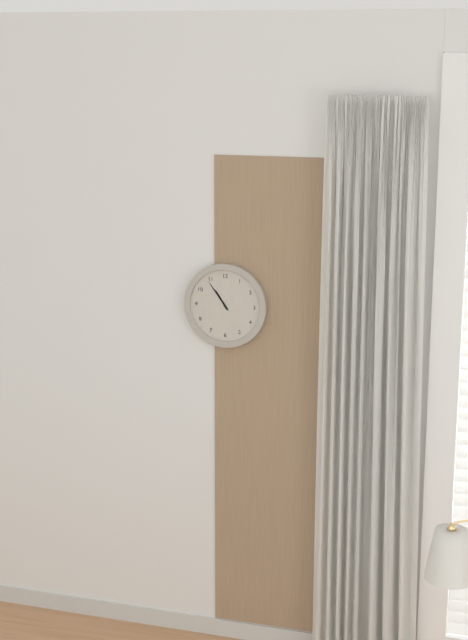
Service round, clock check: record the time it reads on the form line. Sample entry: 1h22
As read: 10h54
